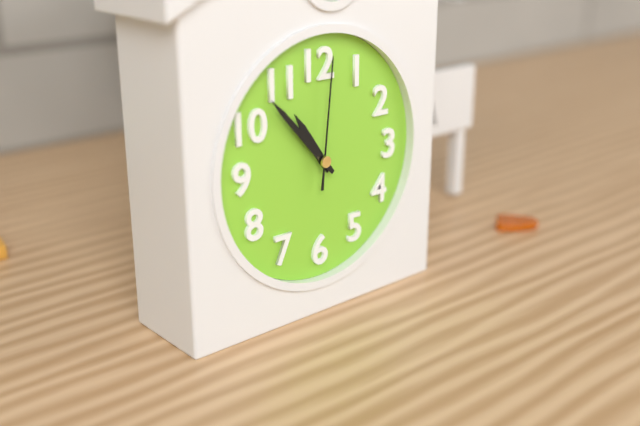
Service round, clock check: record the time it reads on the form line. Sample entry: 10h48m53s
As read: 10h53m01s
